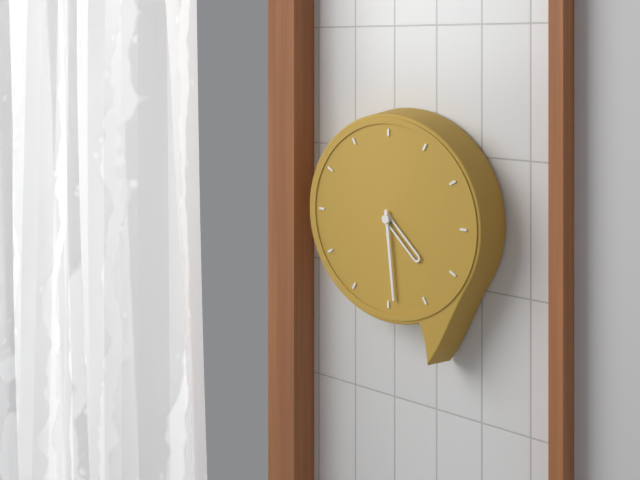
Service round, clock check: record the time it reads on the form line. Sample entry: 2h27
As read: 4h29
